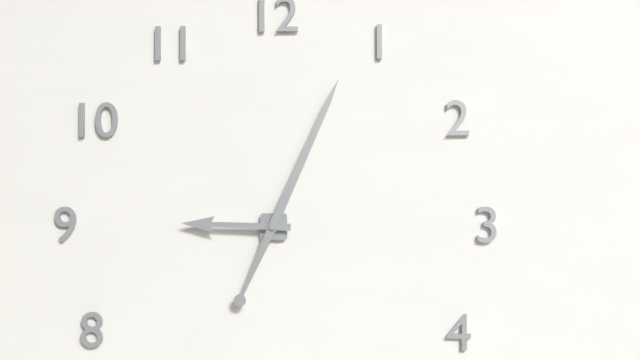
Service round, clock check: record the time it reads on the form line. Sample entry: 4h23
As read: 9h04
